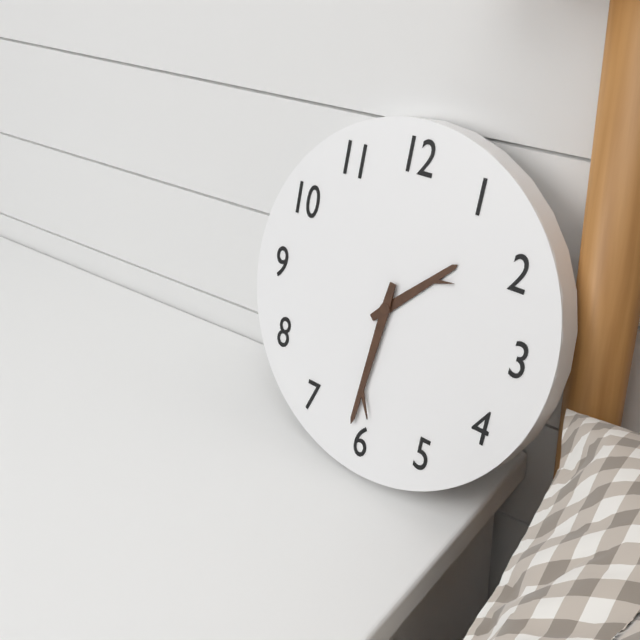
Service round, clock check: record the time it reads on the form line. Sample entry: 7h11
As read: 1h31
